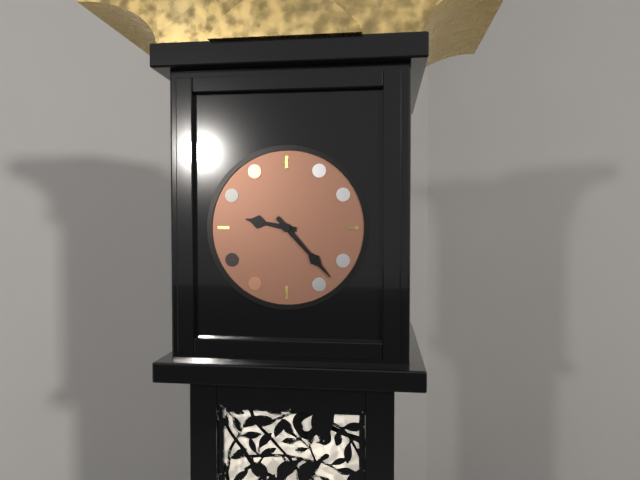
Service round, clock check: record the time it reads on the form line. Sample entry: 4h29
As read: 9h23
